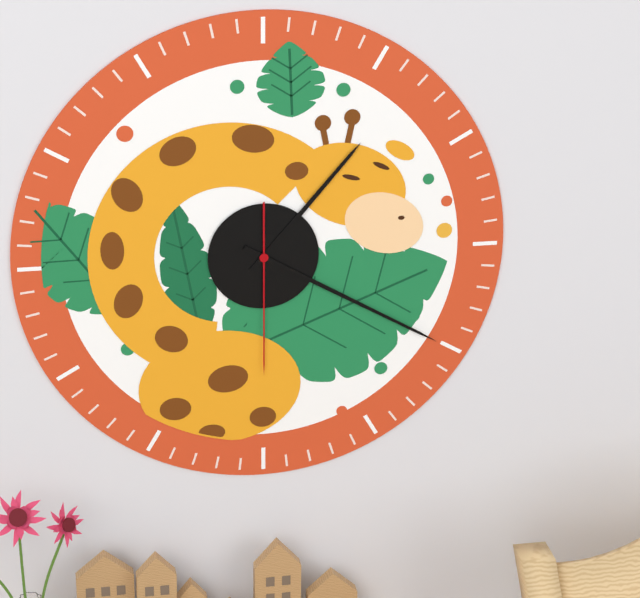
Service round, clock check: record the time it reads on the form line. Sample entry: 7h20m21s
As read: 1h20m30s
